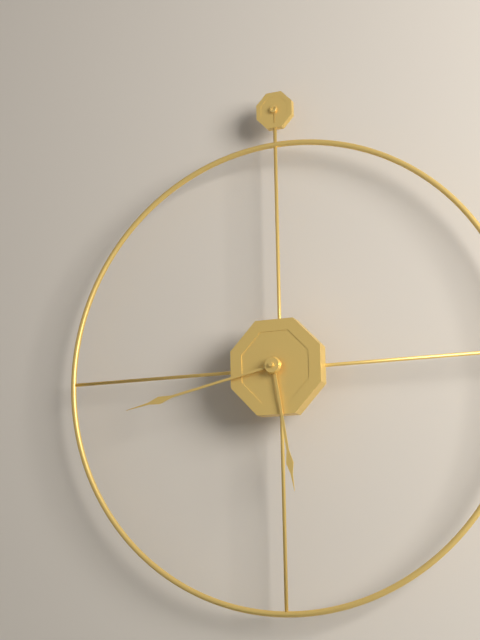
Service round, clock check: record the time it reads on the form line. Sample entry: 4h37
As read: 5h43
